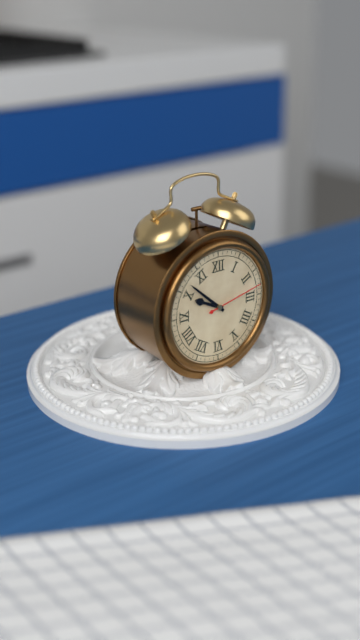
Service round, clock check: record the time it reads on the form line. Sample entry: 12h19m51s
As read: 9h52m13s
